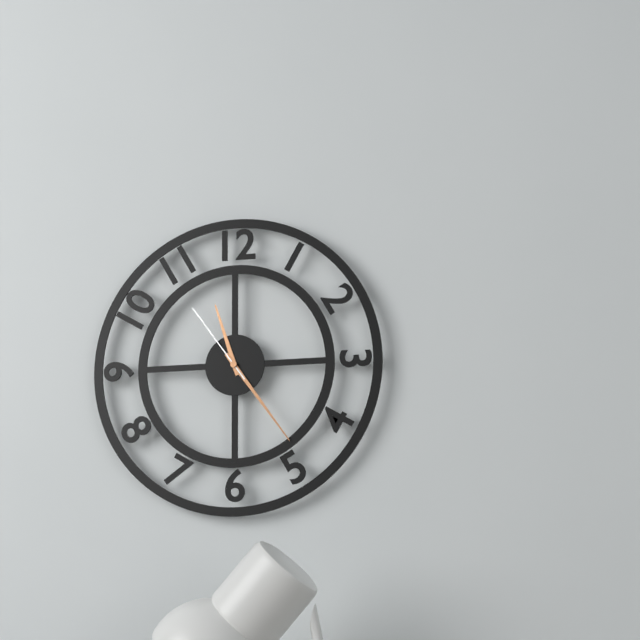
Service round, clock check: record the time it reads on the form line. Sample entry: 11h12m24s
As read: 11h24m54s
